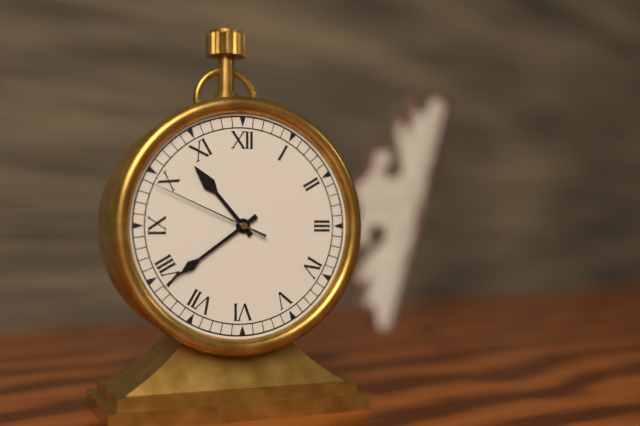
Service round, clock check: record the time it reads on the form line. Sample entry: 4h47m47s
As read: 10h39m49s
